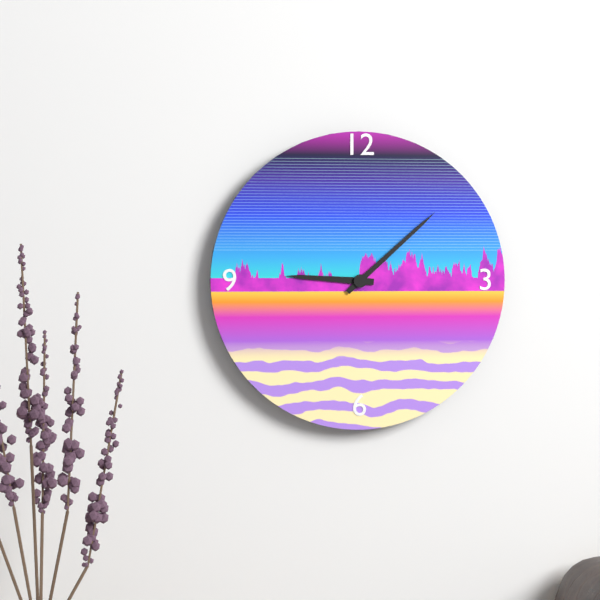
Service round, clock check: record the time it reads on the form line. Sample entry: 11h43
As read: 9h08
